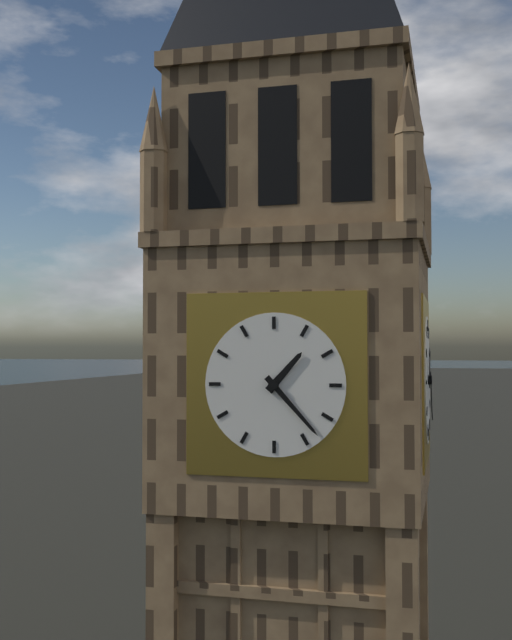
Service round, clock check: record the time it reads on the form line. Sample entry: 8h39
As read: 1h23
